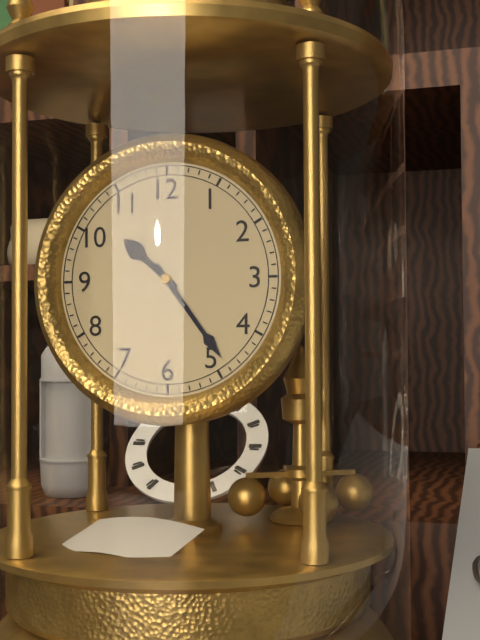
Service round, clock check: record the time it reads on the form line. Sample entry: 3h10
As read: 10h24
